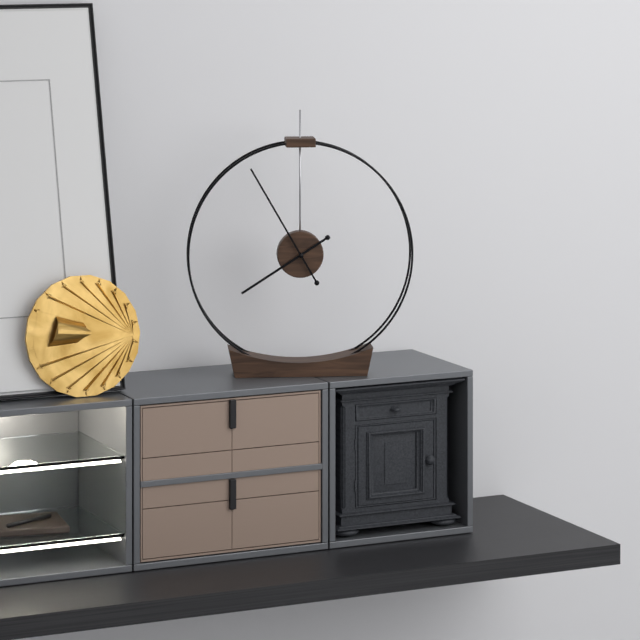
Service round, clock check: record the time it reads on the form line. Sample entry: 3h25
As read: 7h55
